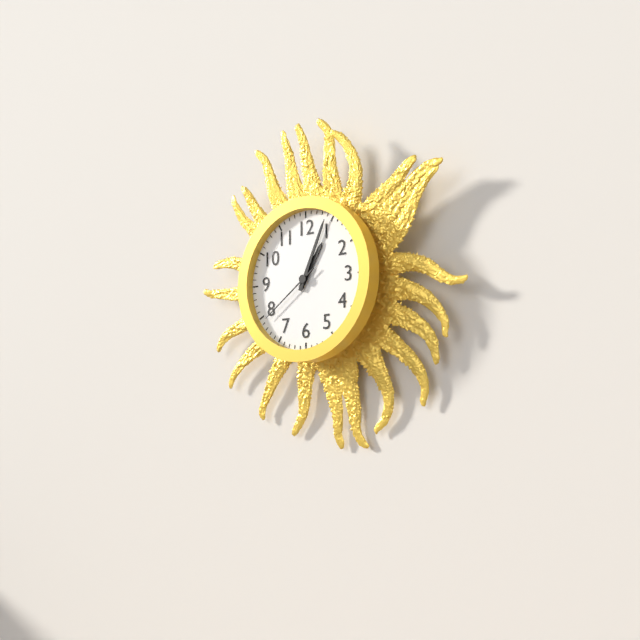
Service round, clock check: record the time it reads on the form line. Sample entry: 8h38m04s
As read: 1h04m39s
